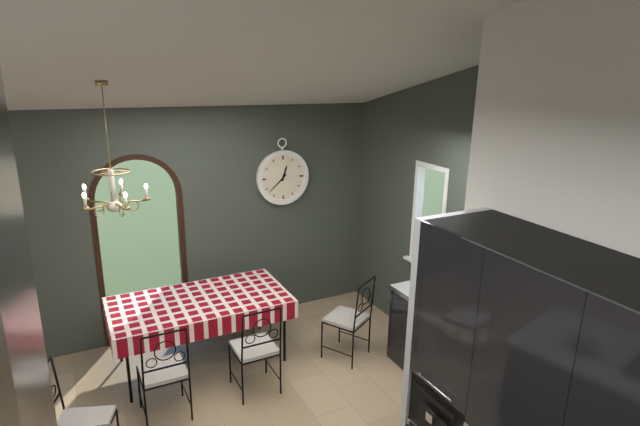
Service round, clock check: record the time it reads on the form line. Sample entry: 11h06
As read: 12h38
